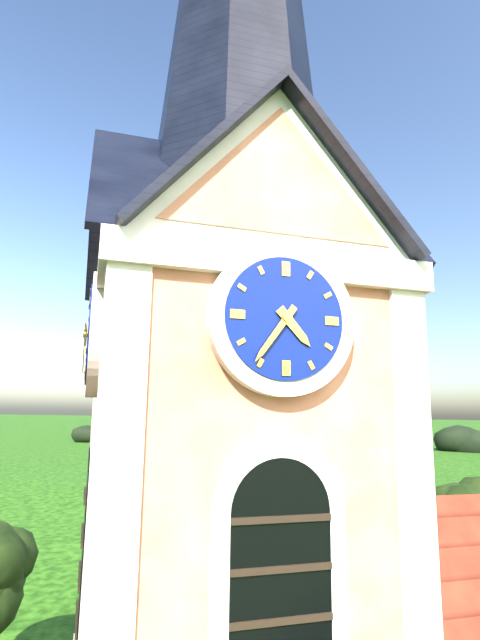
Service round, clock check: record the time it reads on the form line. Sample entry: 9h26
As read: 4h36
